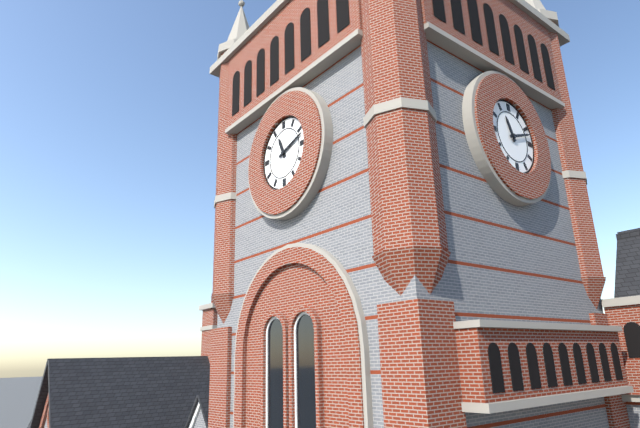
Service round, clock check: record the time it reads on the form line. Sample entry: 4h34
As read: 11h12
